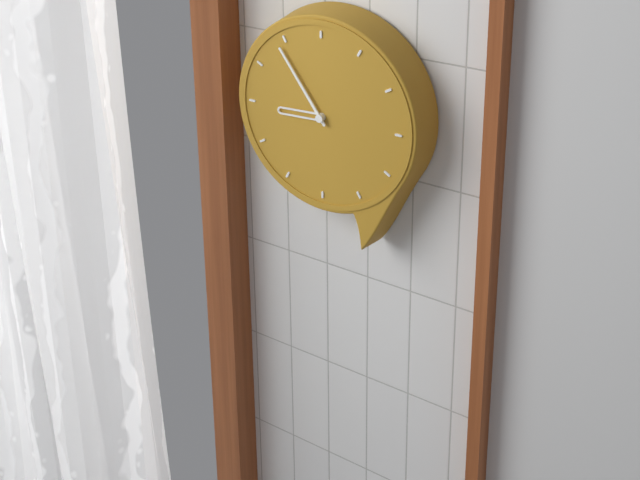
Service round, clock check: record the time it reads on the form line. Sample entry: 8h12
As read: 8h54
